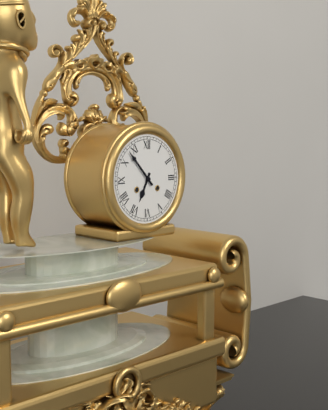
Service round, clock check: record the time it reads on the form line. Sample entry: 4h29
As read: 6h53
